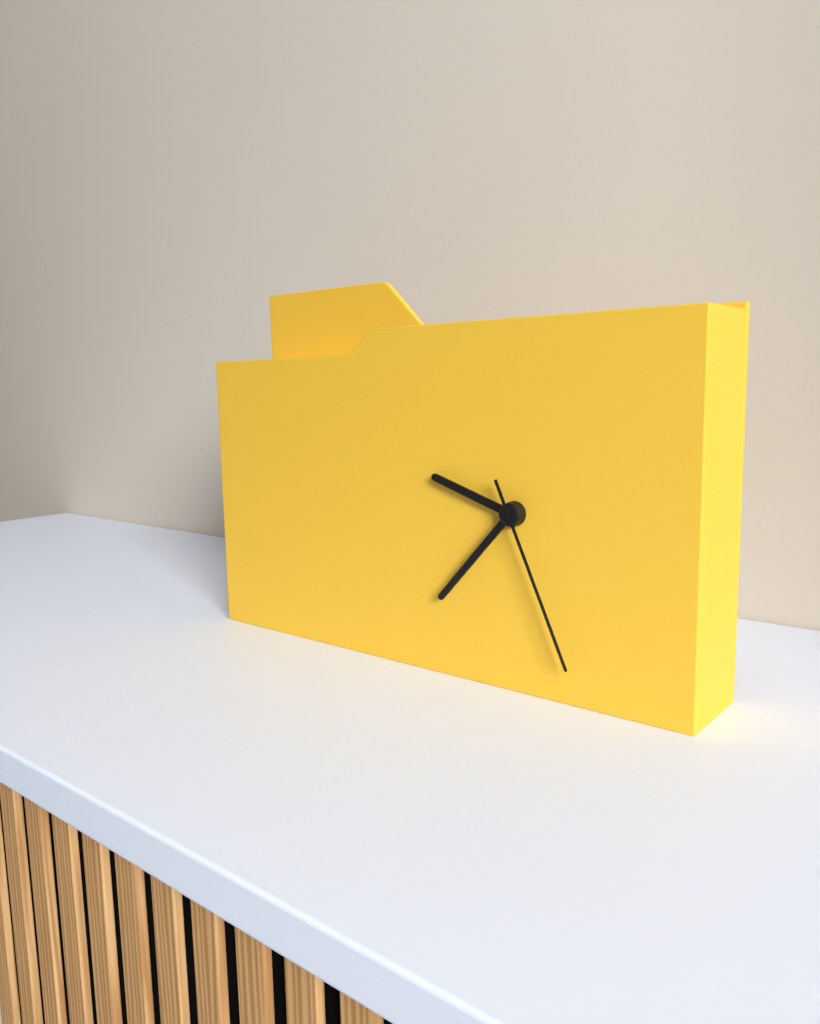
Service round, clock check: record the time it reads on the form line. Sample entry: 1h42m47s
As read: 9h37m26s
